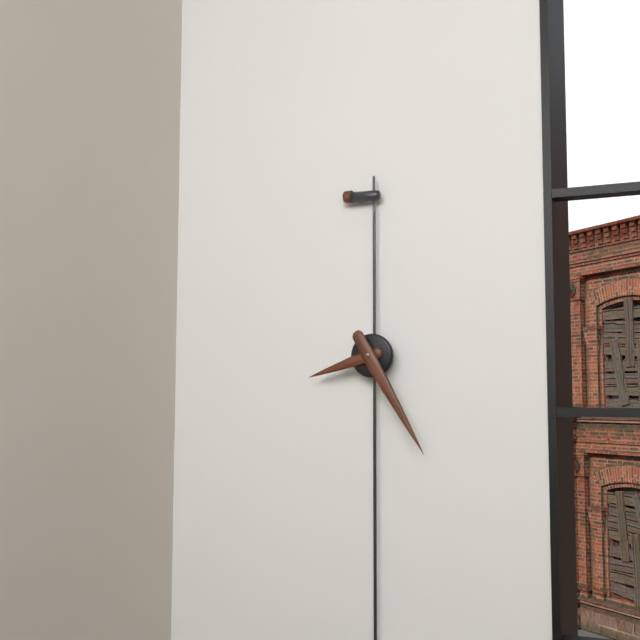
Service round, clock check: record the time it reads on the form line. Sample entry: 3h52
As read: 8h25
